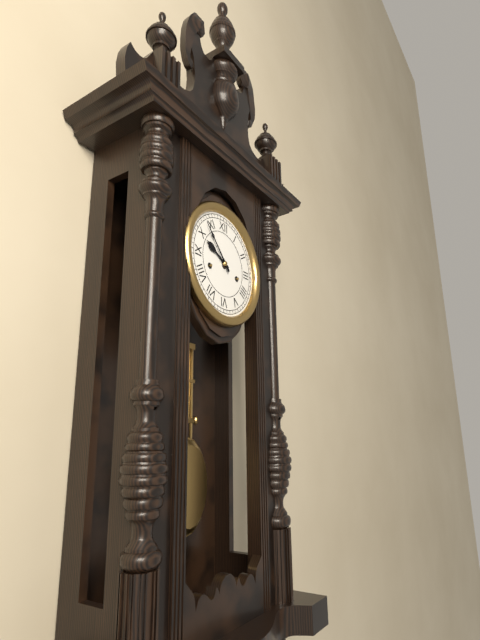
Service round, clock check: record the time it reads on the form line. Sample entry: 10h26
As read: 9h53
